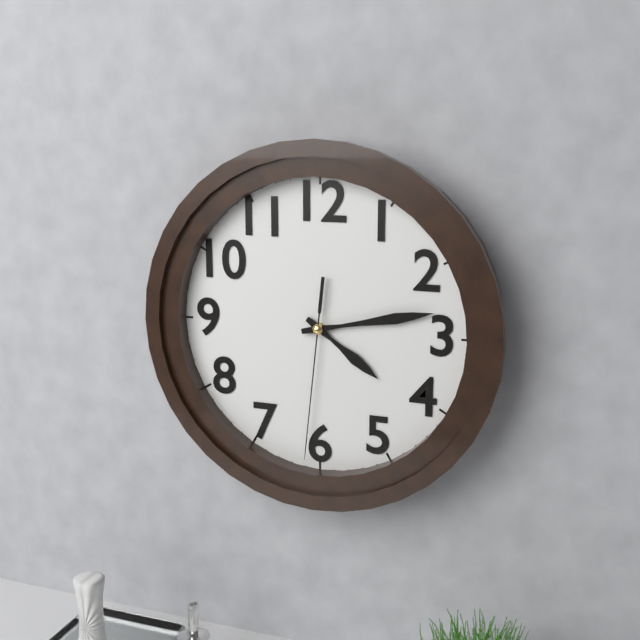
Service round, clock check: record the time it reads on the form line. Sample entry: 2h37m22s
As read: 4h13m31s
